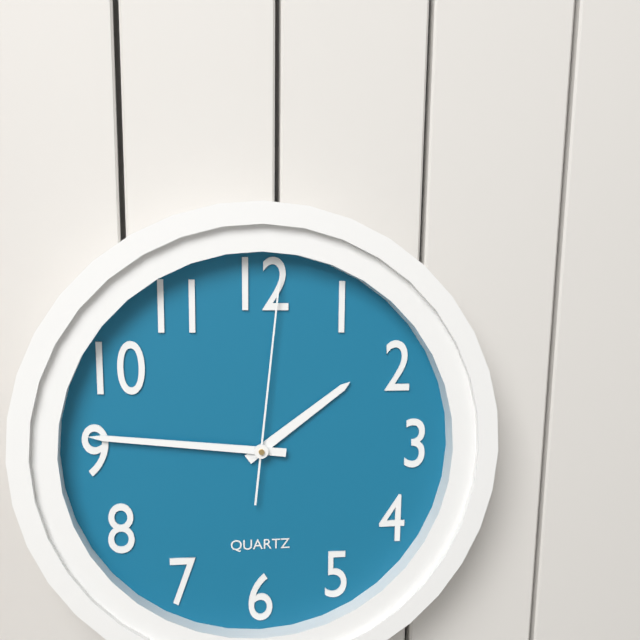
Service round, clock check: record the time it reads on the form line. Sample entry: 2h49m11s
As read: 1h46m01s
